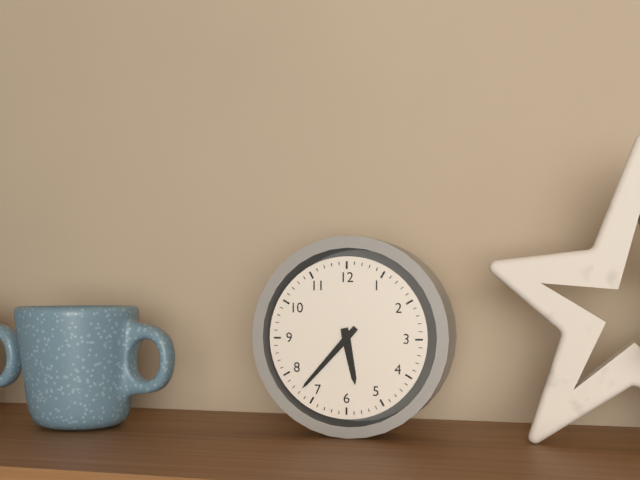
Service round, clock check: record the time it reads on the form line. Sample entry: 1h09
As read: 5h37
